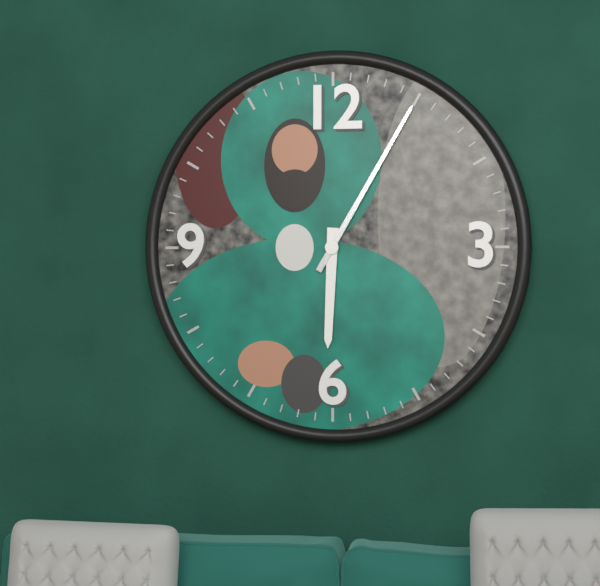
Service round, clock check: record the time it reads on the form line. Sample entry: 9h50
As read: 6h05
